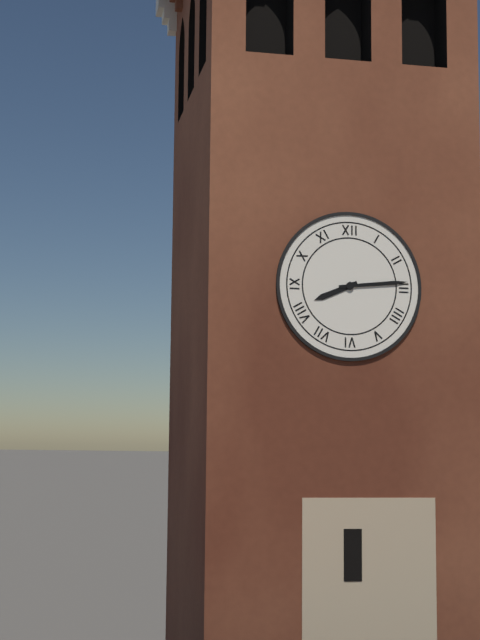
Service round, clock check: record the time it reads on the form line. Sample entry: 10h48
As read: 8h14
